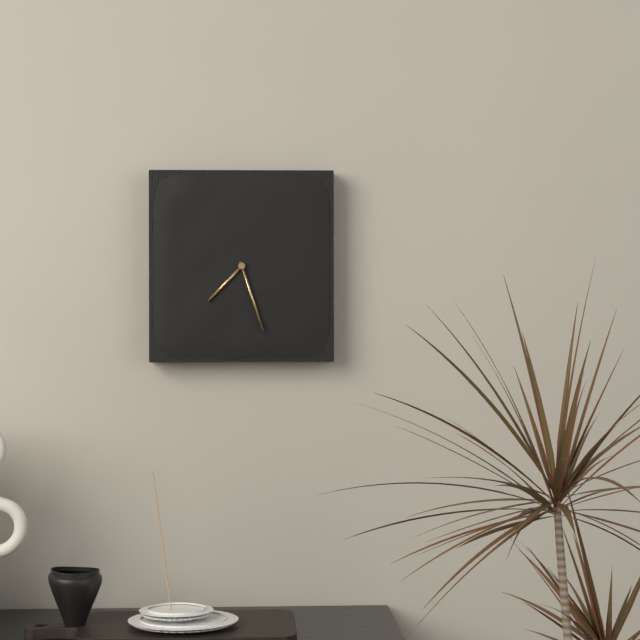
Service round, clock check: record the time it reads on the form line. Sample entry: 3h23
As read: 7h27
